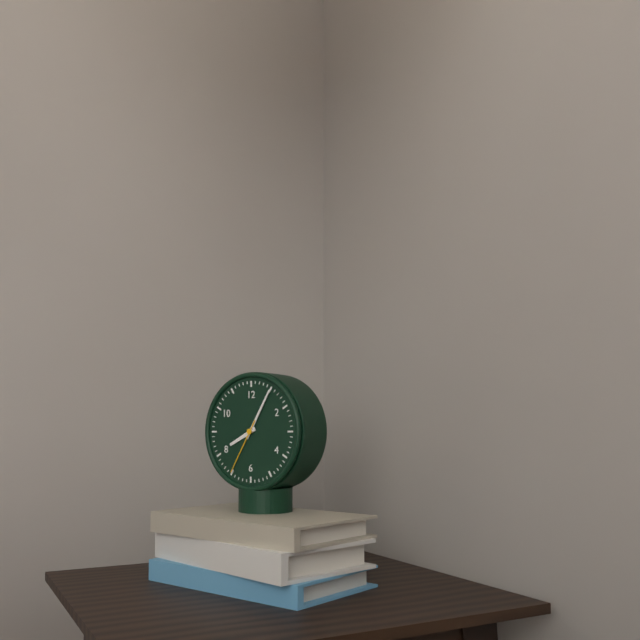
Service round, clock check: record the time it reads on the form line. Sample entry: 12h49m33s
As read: 8h05m35s
